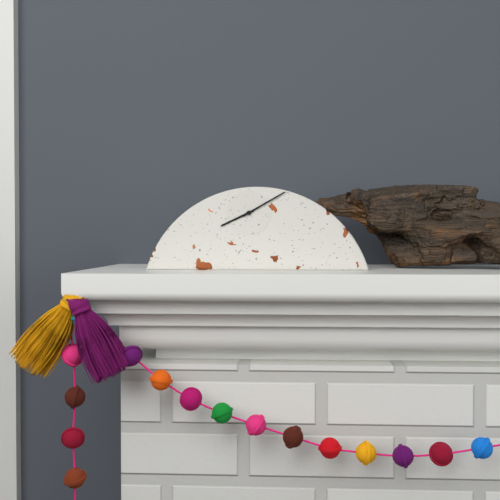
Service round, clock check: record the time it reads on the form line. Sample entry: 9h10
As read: 8h10
